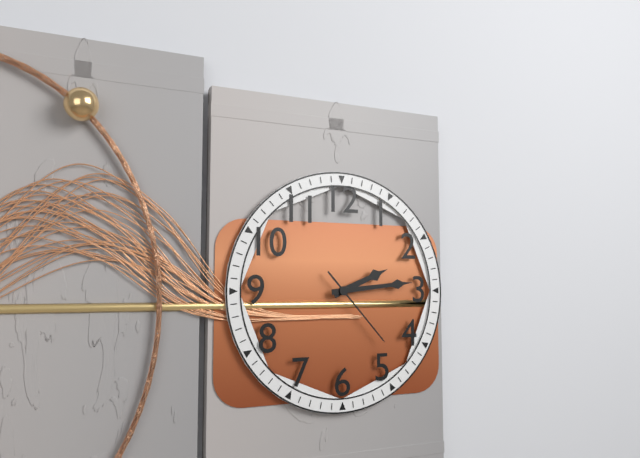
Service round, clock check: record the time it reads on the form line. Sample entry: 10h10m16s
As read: 2h14m23s
